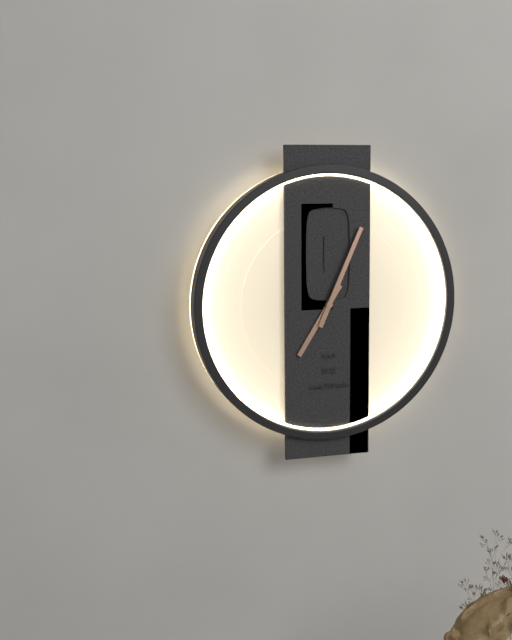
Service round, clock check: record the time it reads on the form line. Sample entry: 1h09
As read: 7h04
